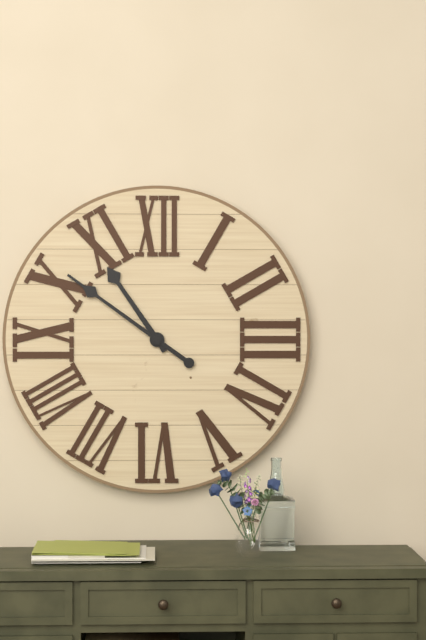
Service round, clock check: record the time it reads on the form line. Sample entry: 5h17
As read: 10h51
